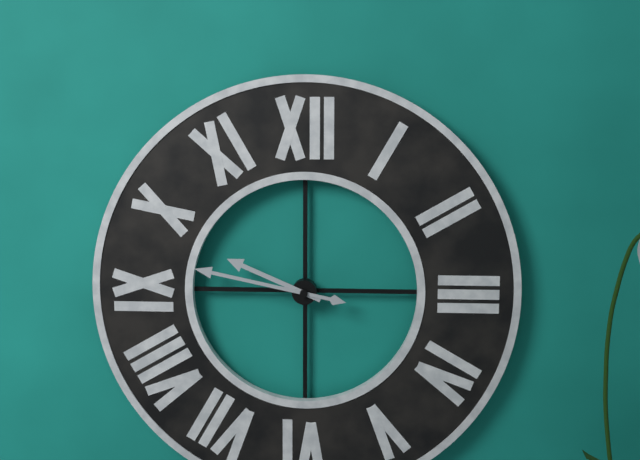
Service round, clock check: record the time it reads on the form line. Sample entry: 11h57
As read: 9h47
